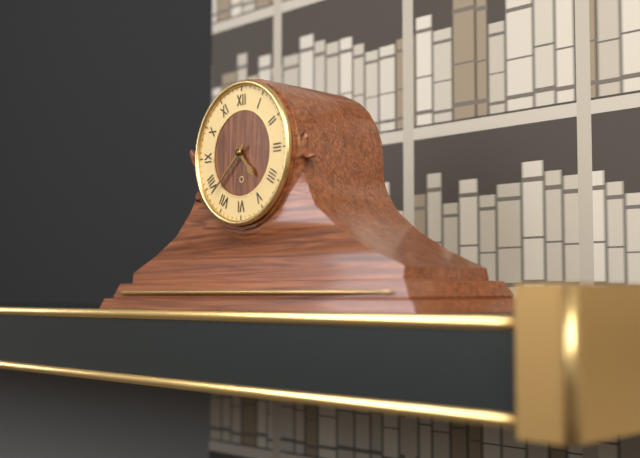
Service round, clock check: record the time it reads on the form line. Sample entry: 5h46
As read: 4h38
